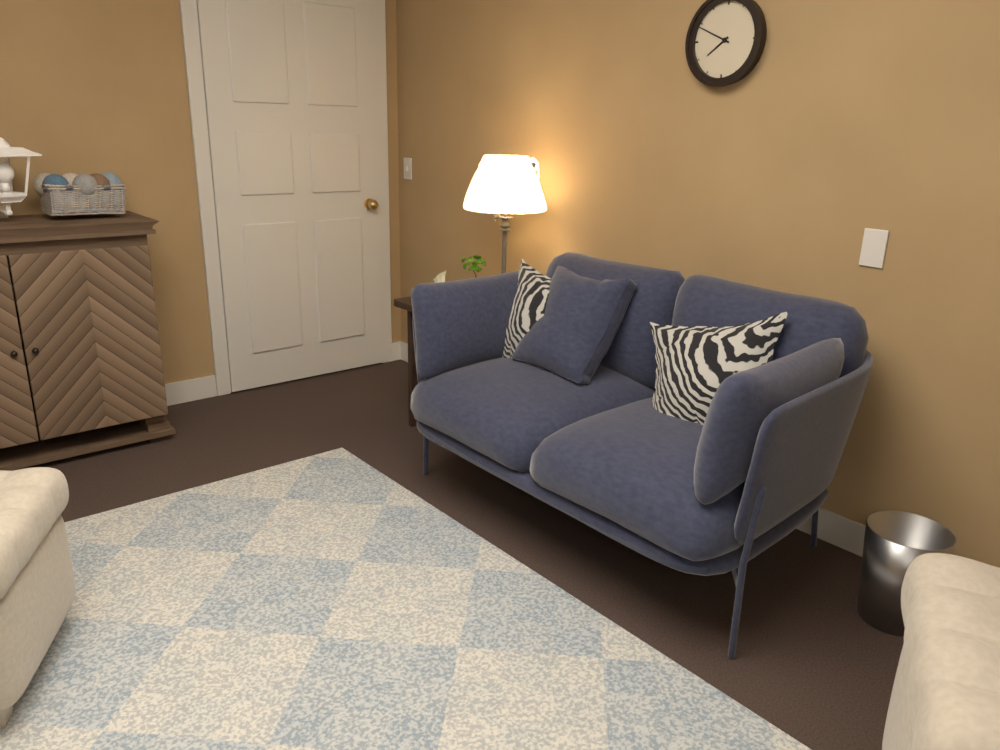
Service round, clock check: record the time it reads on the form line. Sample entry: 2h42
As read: 7h49
